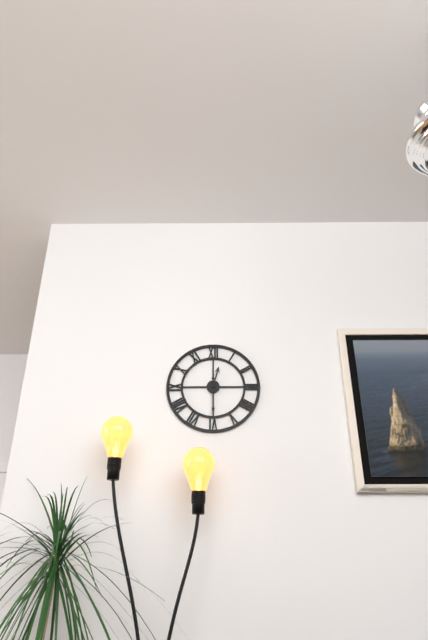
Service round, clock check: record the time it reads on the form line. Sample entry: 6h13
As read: 12h30
